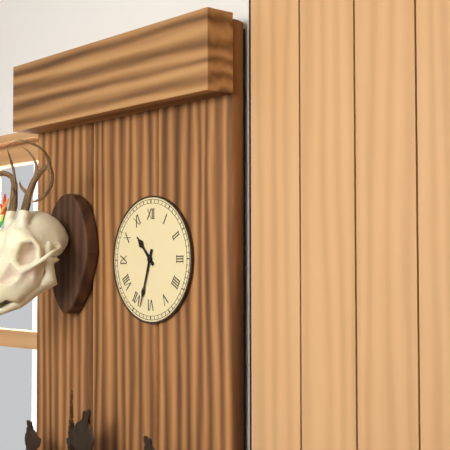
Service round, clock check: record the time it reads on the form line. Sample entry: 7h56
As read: 10h33
